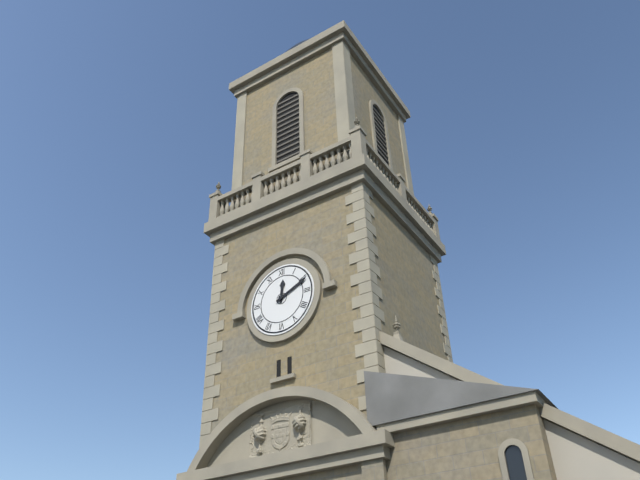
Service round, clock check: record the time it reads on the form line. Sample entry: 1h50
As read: 12h11
